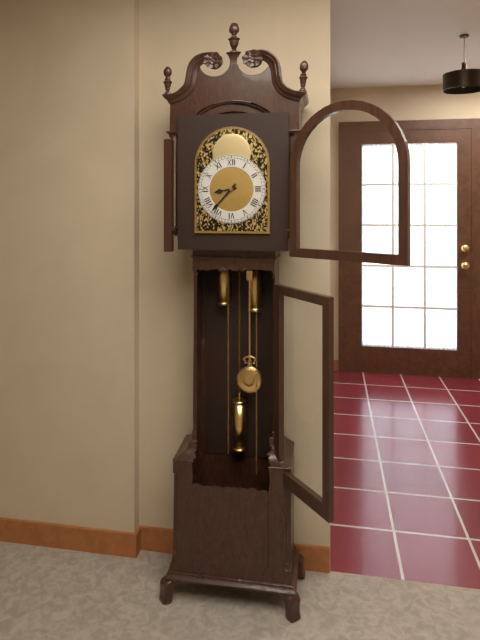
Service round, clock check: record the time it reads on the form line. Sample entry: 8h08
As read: 8h37
